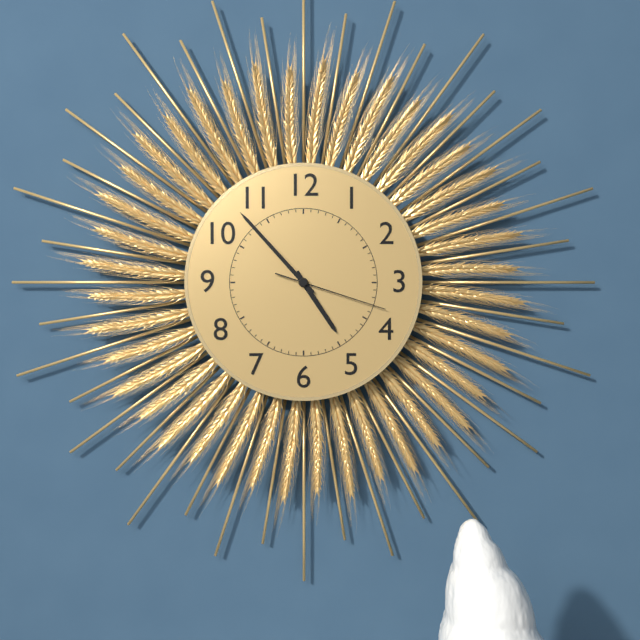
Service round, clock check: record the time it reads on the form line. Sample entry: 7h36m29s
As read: 4h53m18s
